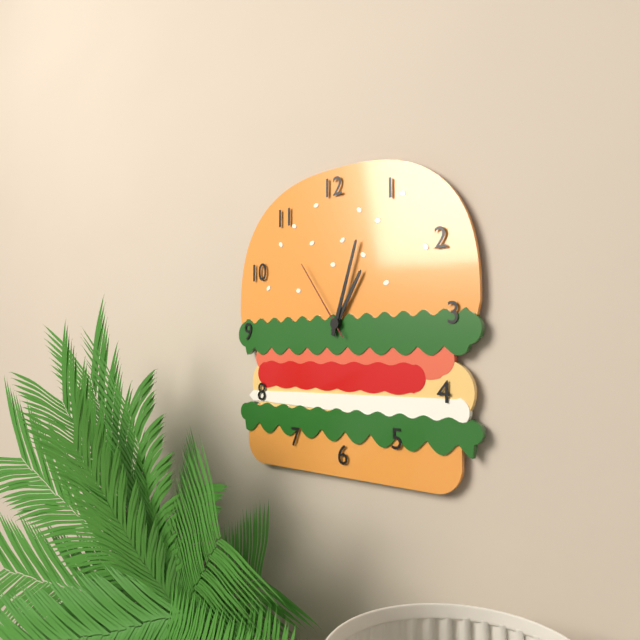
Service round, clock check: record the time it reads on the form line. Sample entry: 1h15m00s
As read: 1h03m54s
